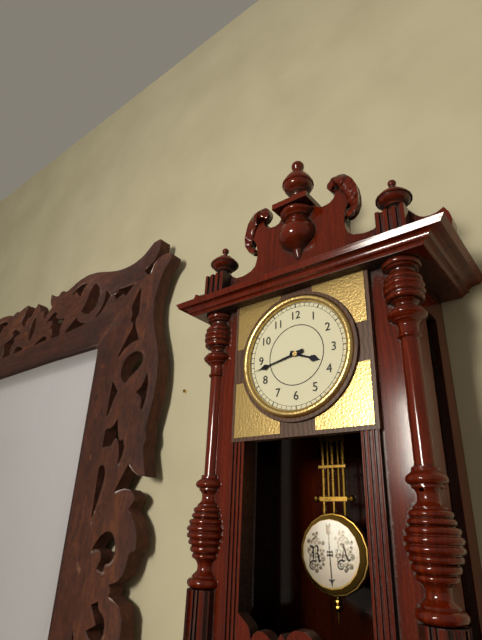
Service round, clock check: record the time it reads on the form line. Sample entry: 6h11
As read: 3h43
